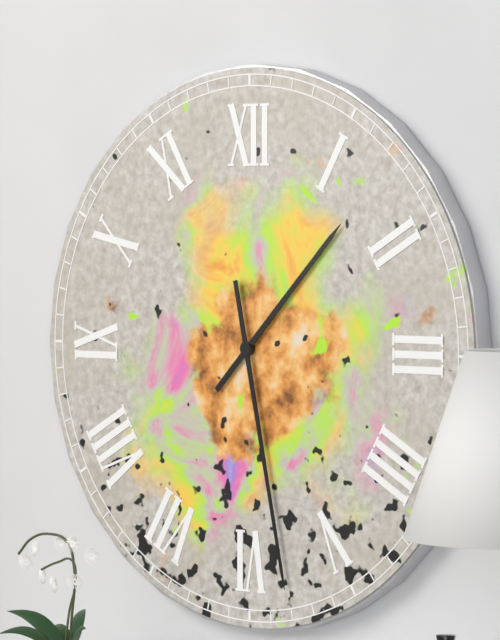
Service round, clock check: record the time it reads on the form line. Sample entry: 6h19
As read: 1h28
